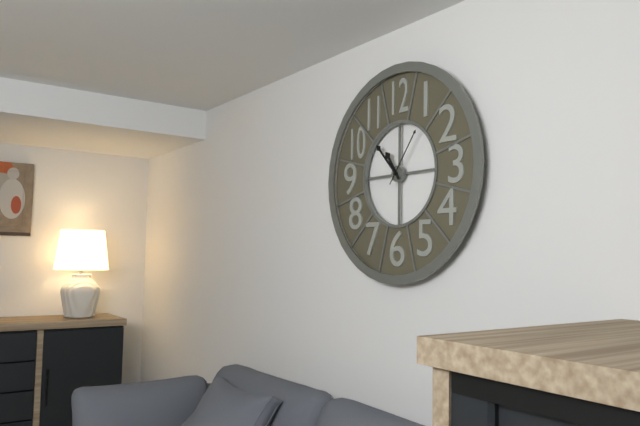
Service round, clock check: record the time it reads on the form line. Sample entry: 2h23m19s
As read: 10h53m06s
